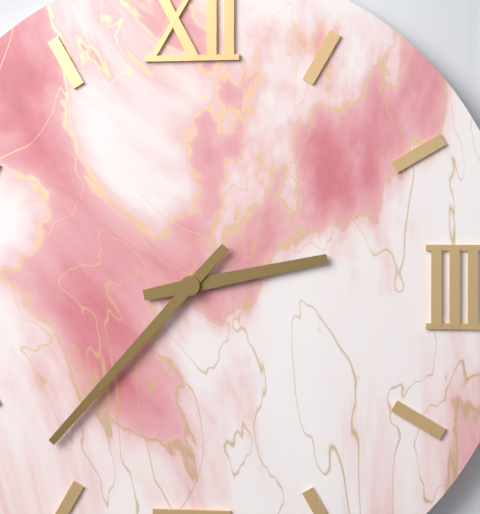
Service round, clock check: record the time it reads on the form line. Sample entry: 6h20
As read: 2h37
